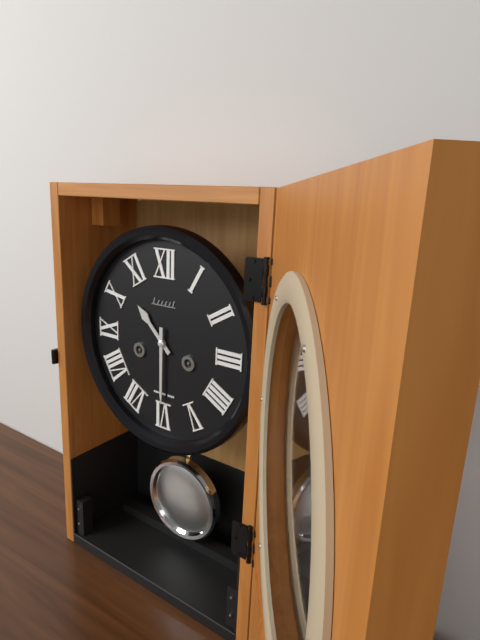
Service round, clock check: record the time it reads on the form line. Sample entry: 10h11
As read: 10h30
